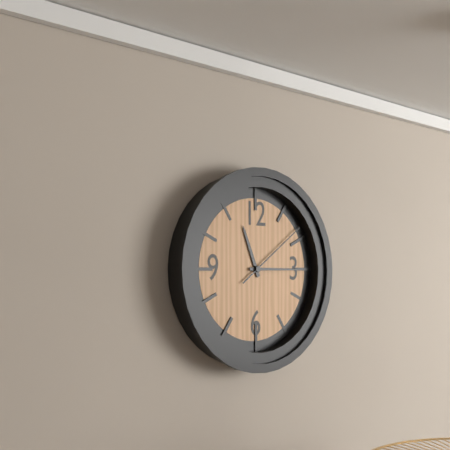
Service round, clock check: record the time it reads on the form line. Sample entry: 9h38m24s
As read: 11h15m09s
